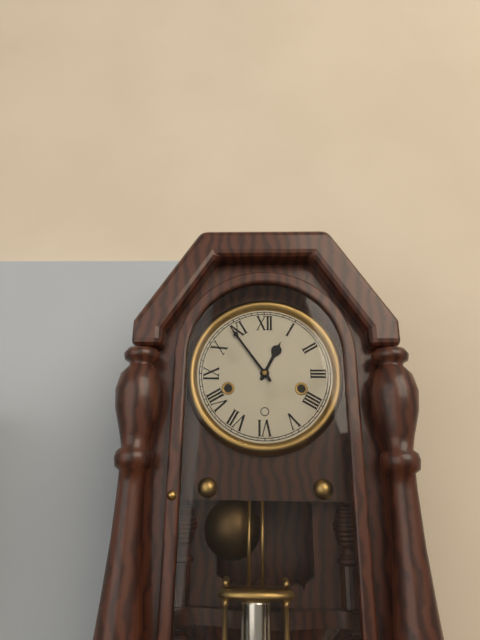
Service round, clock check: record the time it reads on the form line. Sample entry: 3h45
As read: 12h54
